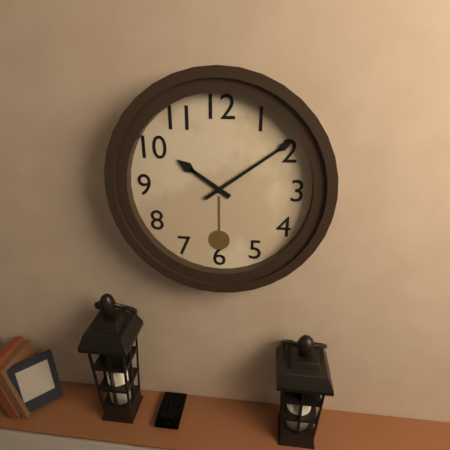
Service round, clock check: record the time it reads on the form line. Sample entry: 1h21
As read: 10h09
